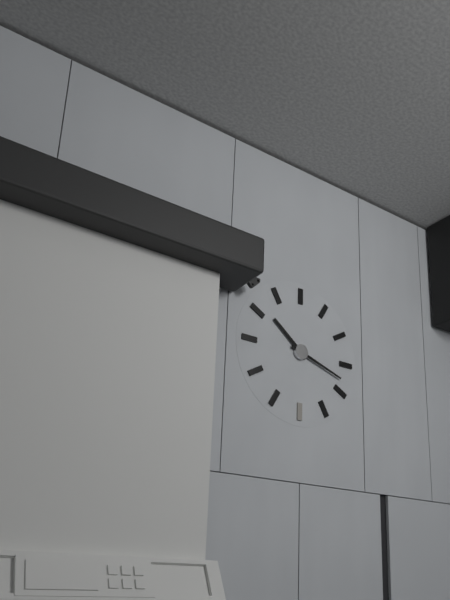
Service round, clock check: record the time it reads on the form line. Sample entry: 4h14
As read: 10h18
